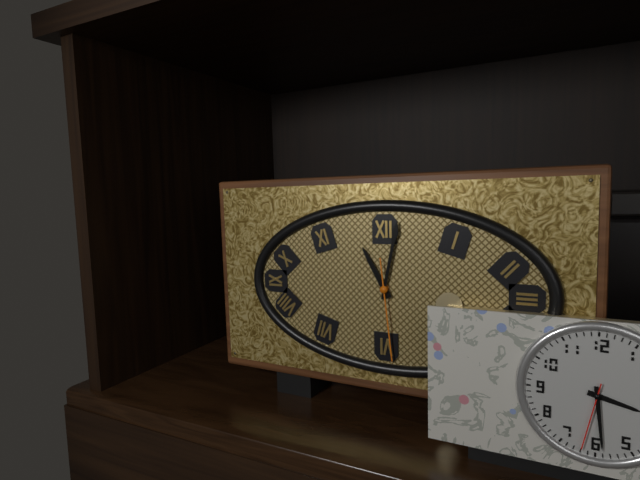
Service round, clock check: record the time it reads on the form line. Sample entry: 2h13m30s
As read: 11h02m29s
